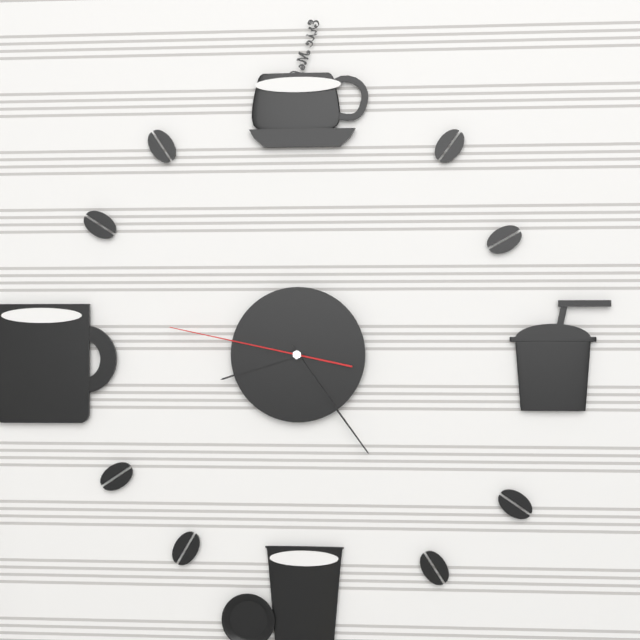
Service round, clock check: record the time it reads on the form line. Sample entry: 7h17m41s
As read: 8h24m47s
